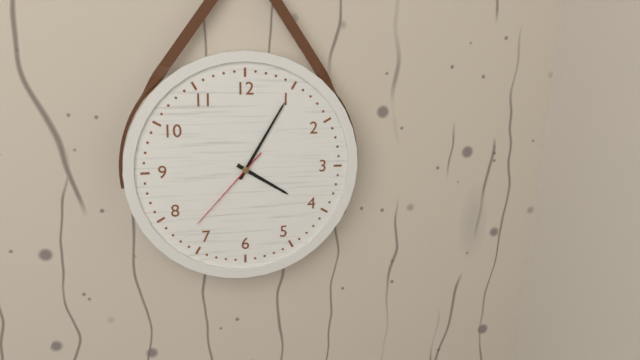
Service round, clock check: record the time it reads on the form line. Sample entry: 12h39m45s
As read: 4h05m37s
